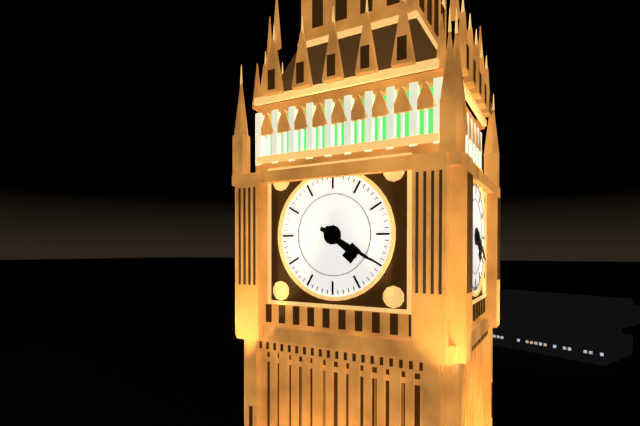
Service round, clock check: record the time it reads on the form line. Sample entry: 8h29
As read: 4h20
